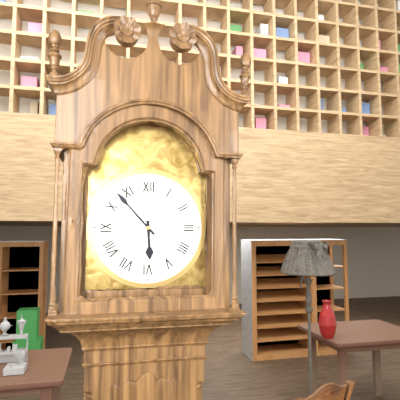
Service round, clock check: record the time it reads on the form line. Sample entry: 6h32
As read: 5h53
